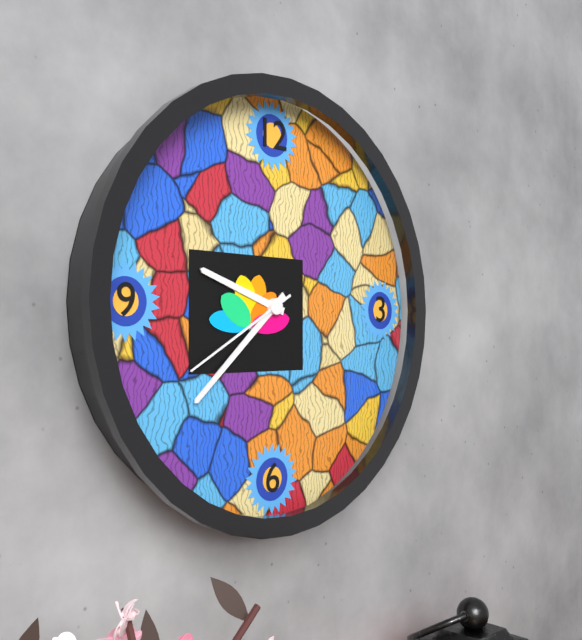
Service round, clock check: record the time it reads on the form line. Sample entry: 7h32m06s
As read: 9h38m40s
